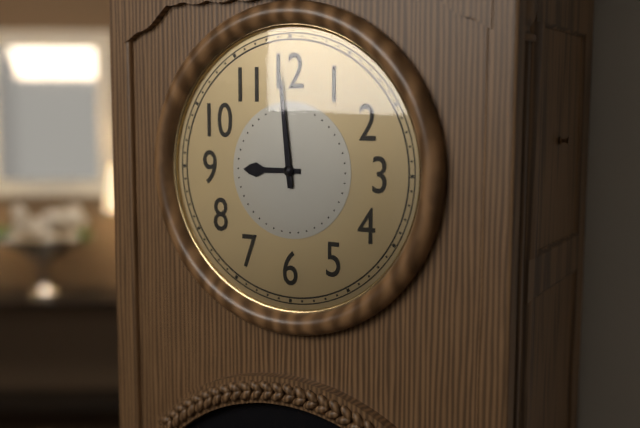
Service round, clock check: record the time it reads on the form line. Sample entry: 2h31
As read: 8h59
